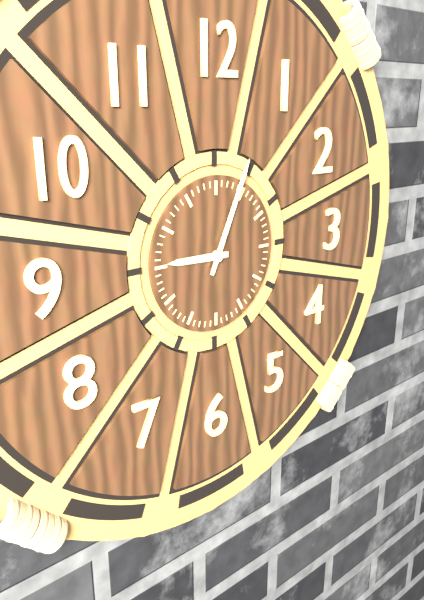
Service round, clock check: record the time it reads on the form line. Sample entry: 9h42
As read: 9h04
